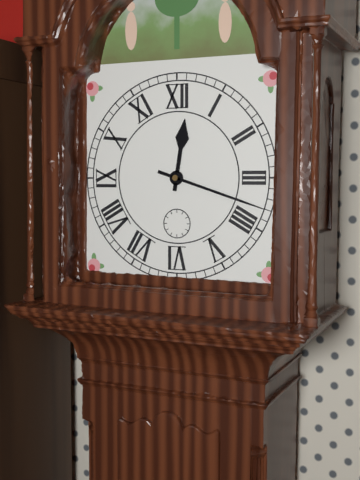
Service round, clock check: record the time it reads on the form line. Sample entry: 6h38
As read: 12h18
